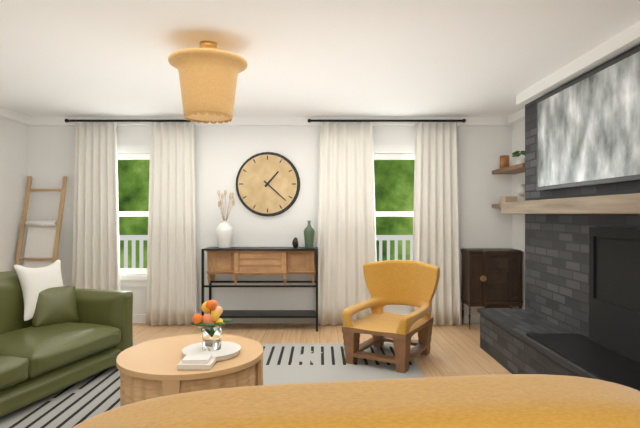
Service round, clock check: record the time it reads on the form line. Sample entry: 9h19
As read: 1h22
